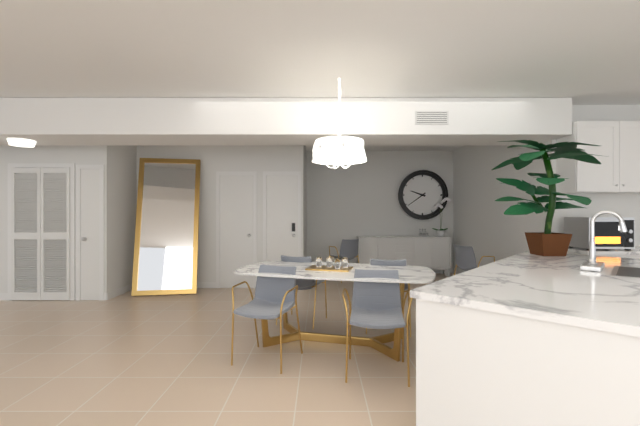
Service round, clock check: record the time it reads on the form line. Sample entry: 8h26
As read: 9h39
